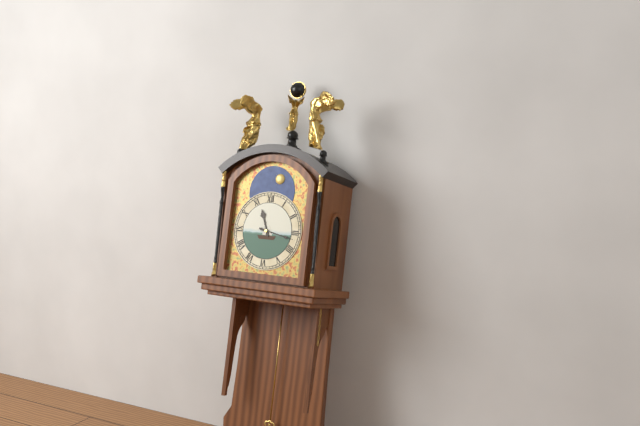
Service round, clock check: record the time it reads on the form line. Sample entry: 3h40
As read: 11h17
